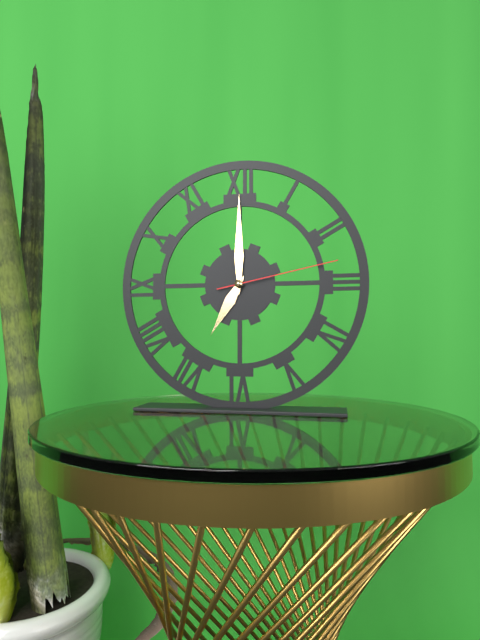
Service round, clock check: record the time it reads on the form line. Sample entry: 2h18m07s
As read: 7h00m13s
